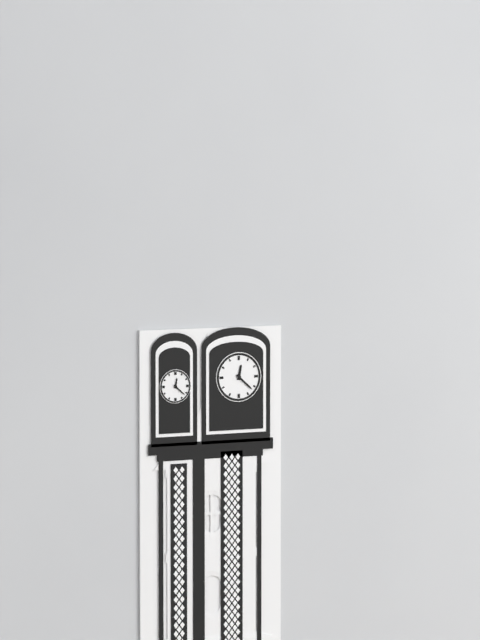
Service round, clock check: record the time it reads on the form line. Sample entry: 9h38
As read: 12h22
